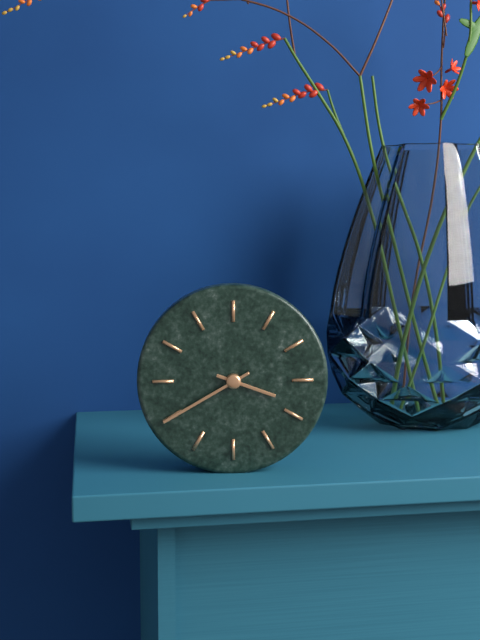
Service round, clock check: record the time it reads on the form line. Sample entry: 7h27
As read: 3h40
